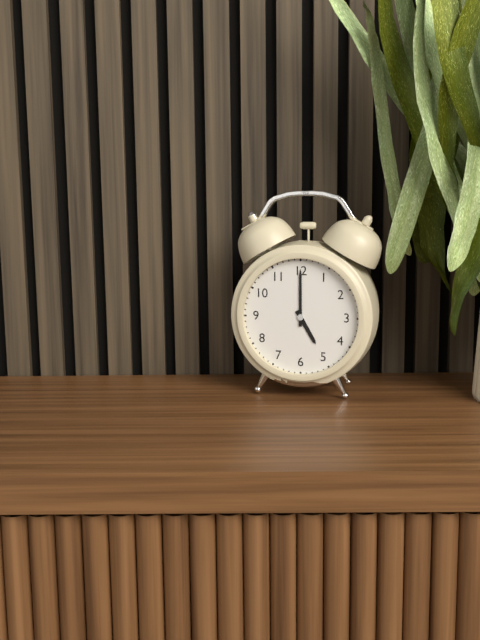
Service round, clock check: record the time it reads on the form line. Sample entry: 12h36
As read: 5h00
